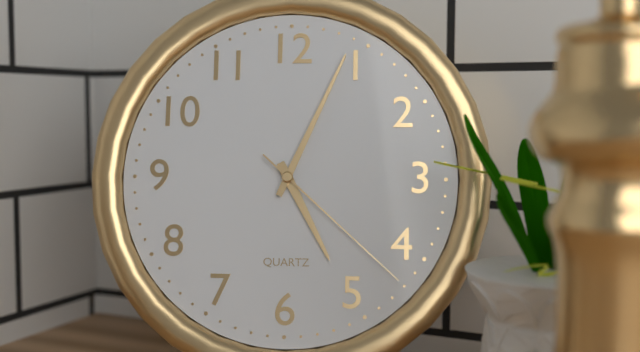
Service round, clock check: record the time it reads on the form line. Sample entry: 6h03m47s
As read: 5h04m22s
